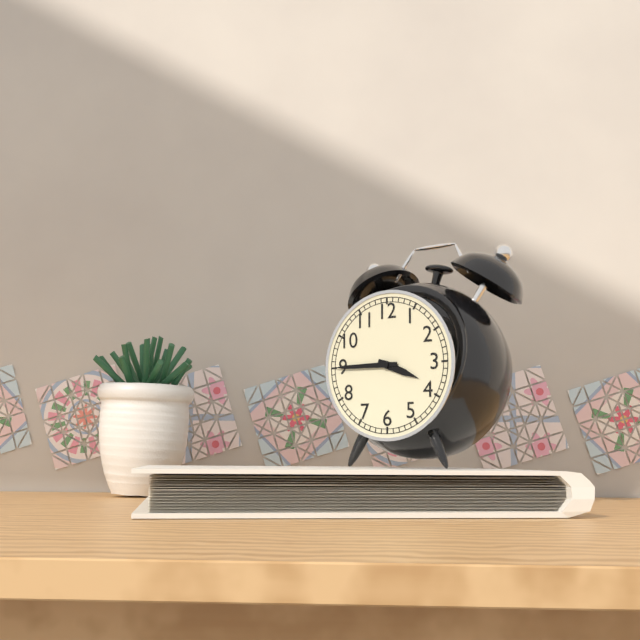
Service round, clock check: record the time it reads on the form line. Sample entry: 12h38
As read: 3h45
